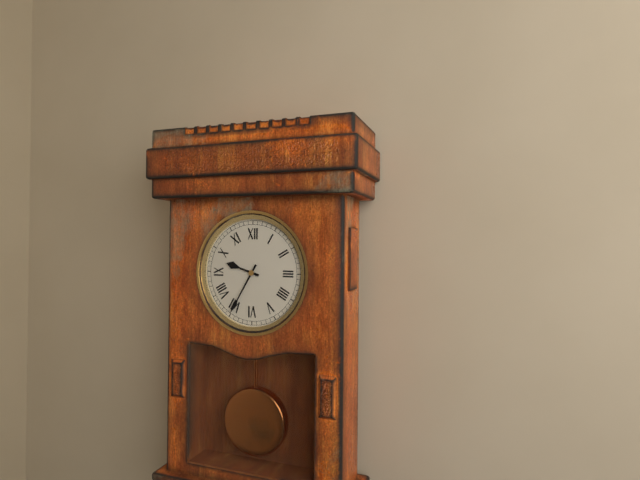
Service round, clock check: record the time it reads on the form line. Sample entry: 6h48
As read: 9h35
